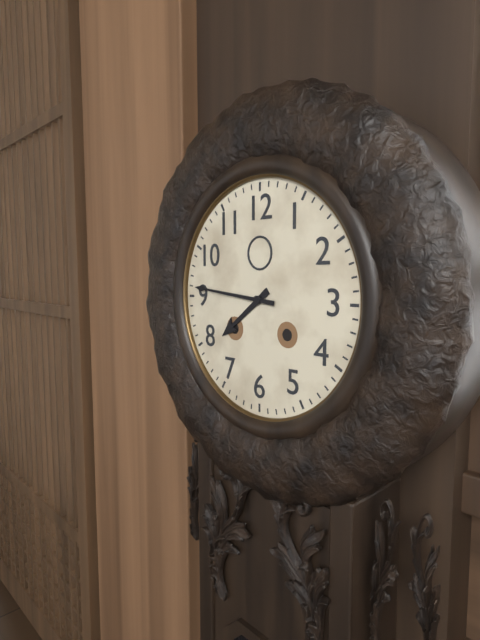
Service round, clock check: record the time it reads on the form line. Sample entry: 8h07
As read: 7h46
